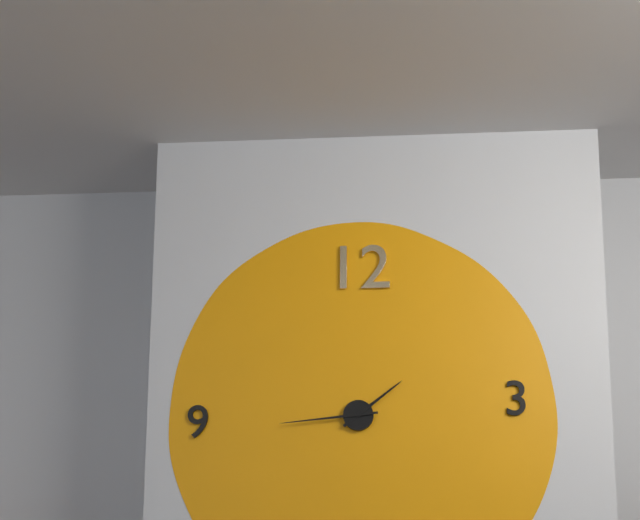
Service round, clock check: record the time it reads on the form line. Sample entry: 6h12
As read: 1h44
